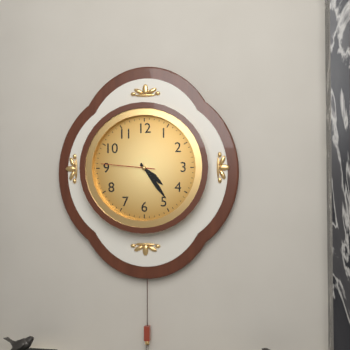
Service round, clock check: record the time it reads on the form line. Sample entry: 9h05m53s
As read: 4h24m46s
